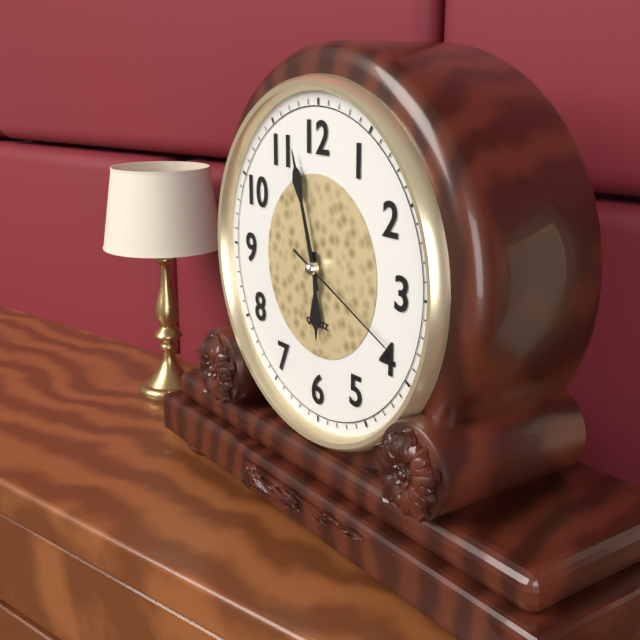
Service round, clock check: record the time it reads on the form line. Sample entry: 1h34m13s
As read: 5h57m19s
